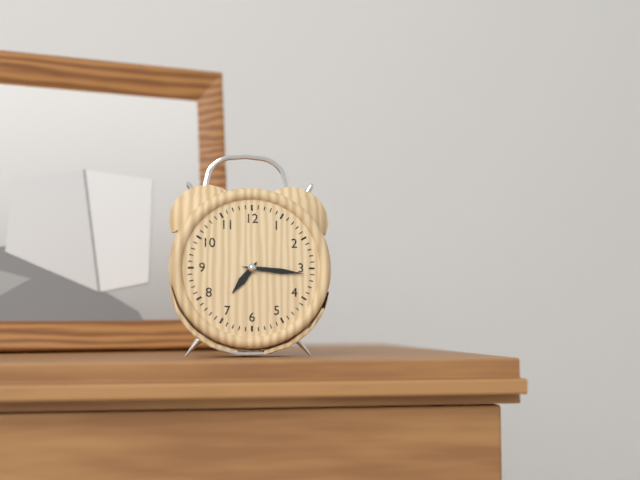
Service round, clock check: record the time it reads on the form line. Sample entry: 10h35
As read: 7h16
